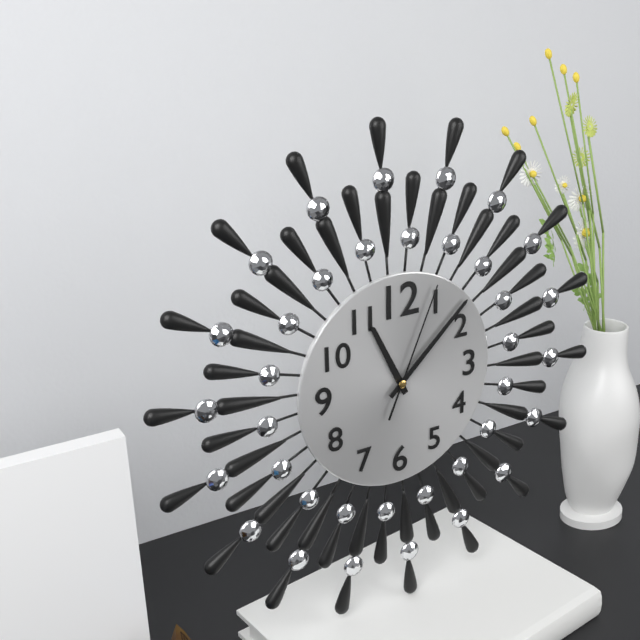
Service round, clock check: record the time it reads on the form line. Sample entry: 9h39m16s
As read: 11h08m04s
